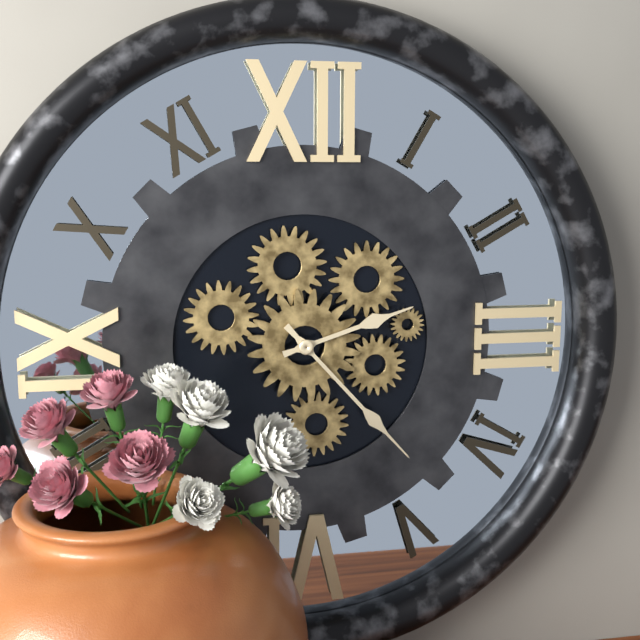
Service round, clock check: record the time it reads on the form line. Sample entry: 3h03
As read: 2h23
